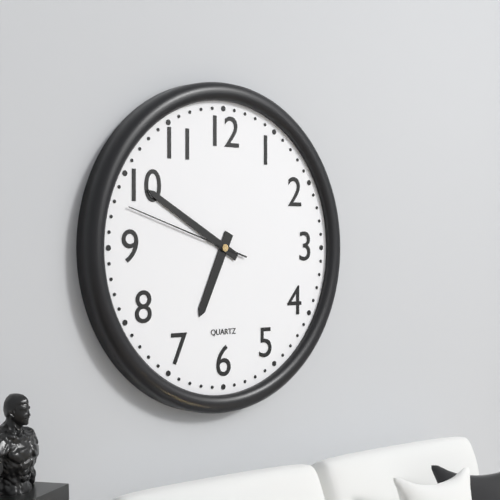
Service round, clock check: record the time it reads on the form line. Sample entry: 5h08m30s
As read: 6h50m48s
